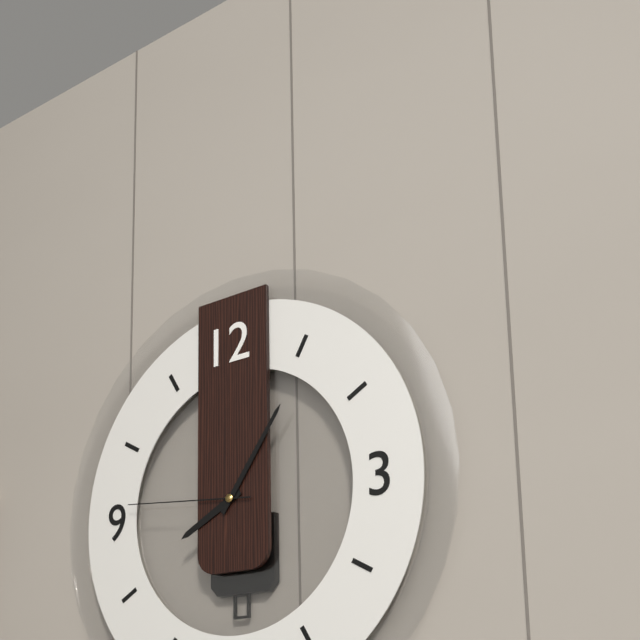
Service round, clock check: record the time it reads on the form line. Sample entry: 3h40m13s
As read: 8h06m46s
